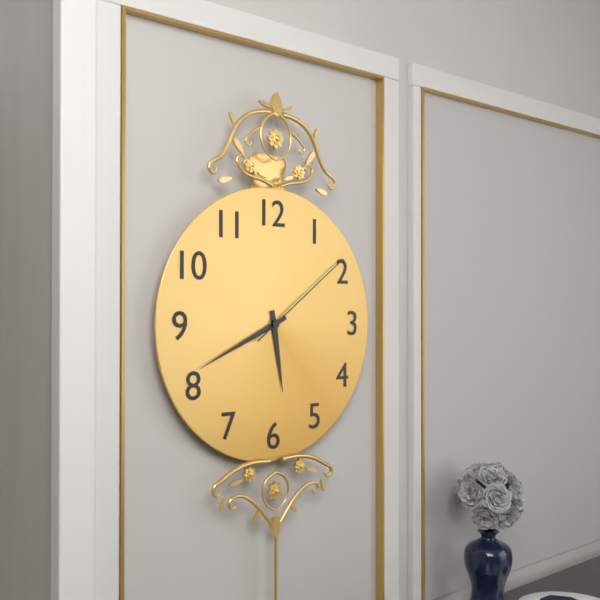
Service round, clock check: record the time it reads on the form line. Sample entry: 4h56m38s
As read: 5h41m09s
